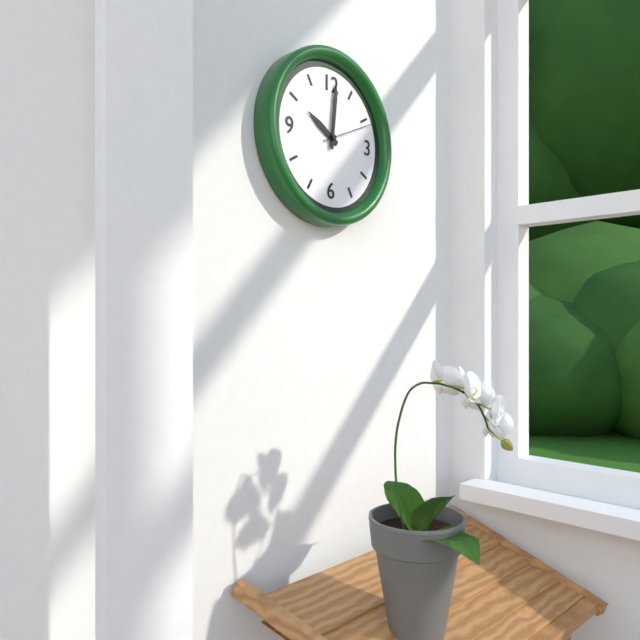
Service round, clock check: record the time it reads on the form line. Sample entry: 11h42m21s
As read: 10h01m11s
